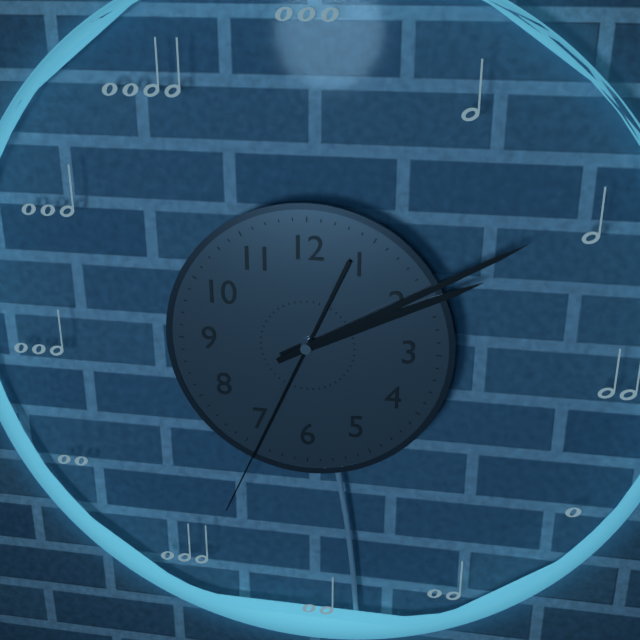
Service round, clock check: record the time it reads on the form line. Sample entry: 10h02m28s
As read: 2h10m34s
